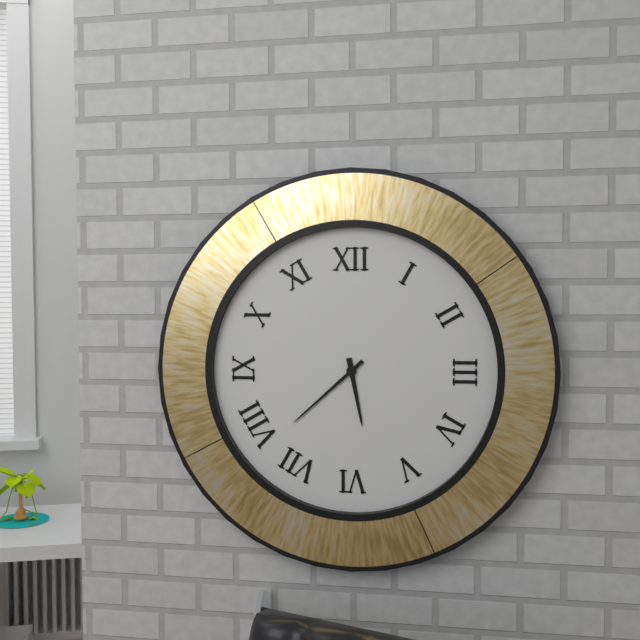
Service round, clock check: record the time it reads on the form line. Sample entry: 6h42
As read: 5h38
